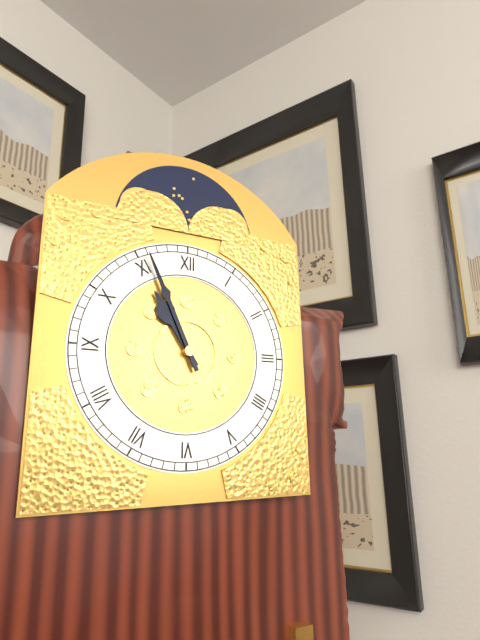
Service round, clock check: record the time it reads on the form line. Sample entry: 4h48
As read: 10h56
